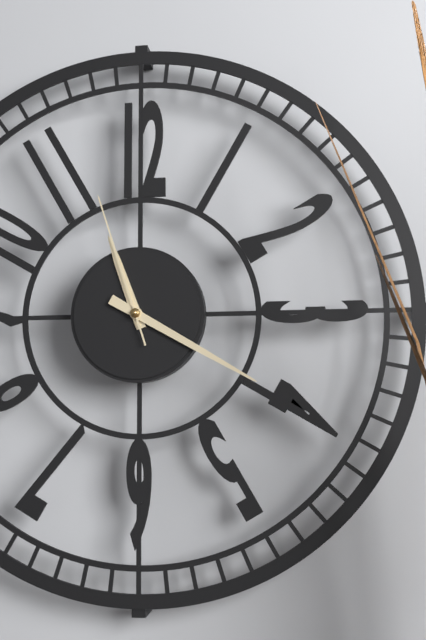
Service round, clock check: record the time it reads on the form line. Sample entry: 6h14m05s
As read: 11h20m57s
